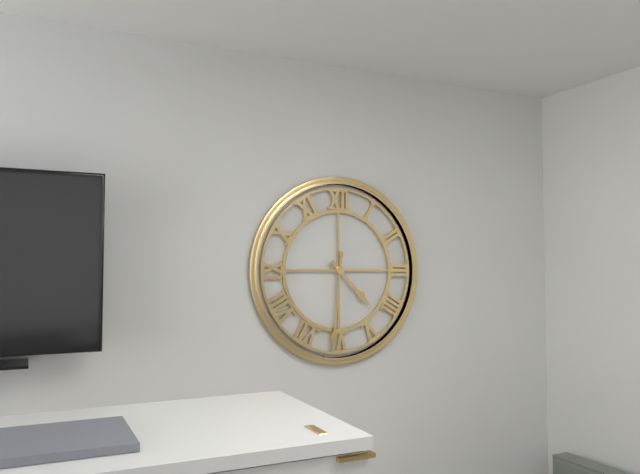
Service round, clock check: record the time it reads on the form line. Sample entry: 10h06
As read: 4h31
